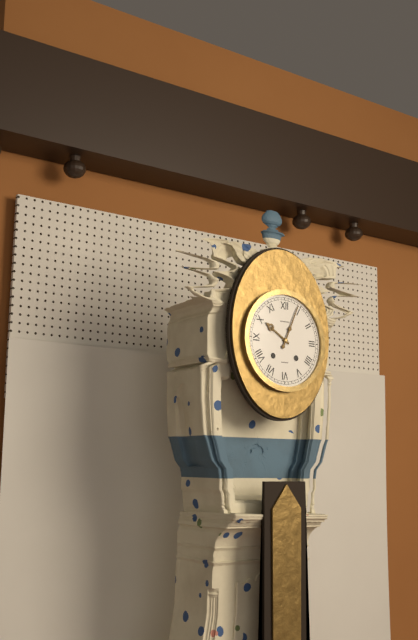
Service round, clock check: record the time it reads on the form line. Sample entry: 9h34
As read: 10h04
